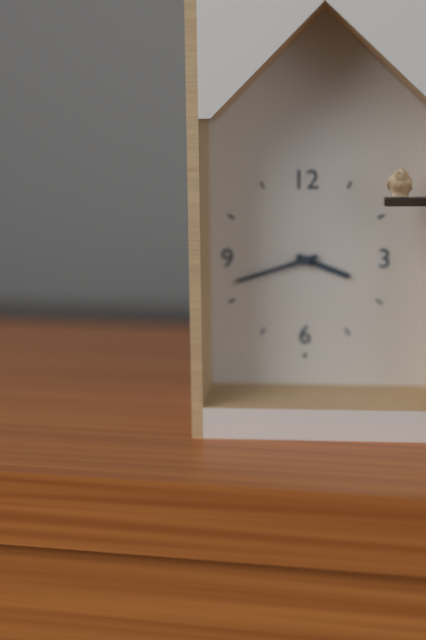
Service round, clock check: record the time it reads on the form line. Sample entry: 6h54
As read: 3h42
